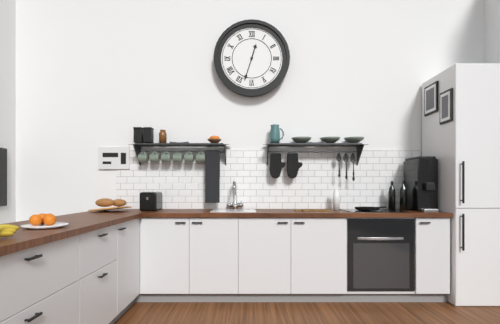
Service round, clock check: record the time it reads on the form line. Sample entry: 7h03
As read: 12h33
